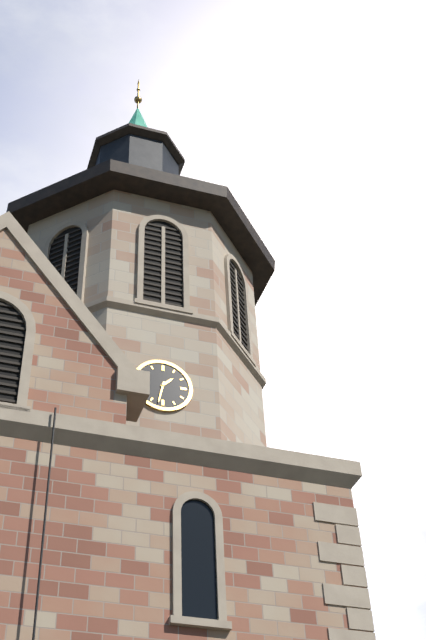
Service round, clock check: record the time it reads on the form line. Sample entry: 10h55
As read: 1h32
